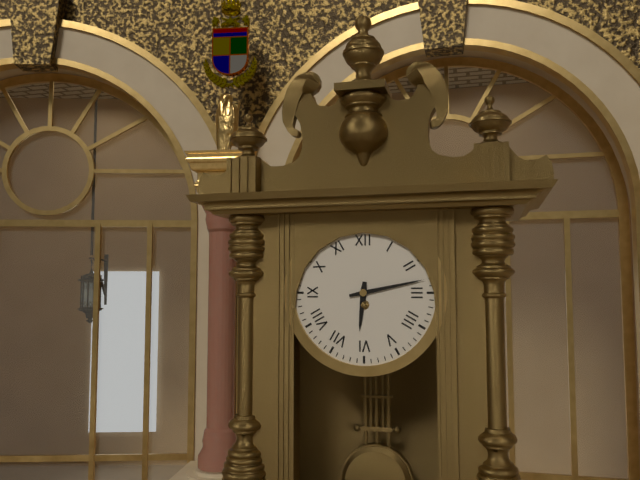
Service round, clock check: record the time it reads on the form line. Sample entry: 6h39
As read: 6h13
